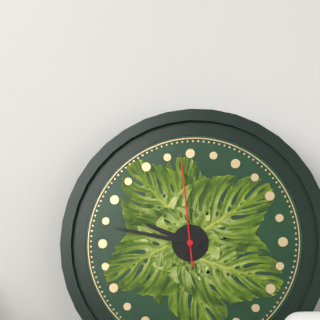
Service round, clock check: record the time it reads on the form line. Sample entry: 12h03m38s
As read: 9h47m59s
